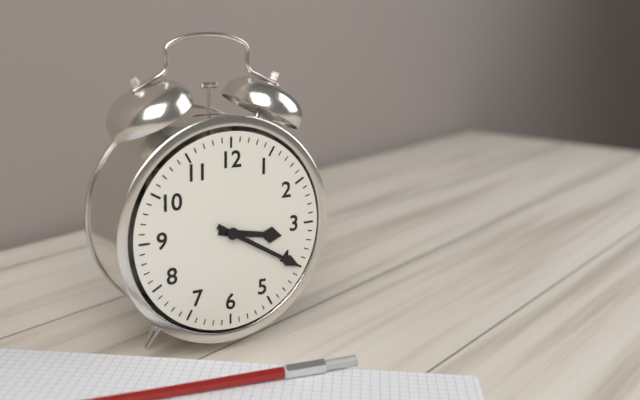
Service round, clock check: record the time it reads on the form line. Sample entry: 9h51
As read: 3h20
